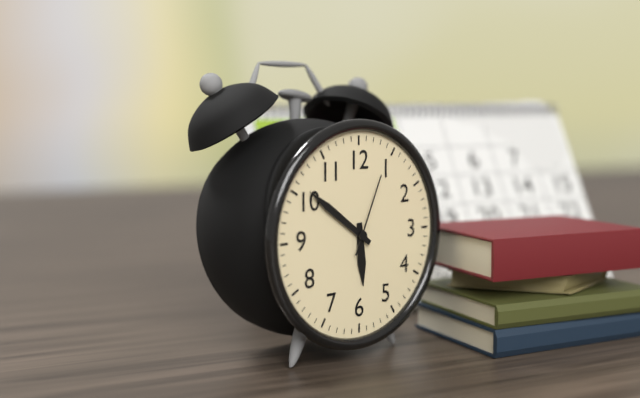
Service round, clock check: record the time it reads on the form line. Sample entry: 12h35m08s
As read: 5h51m04s
